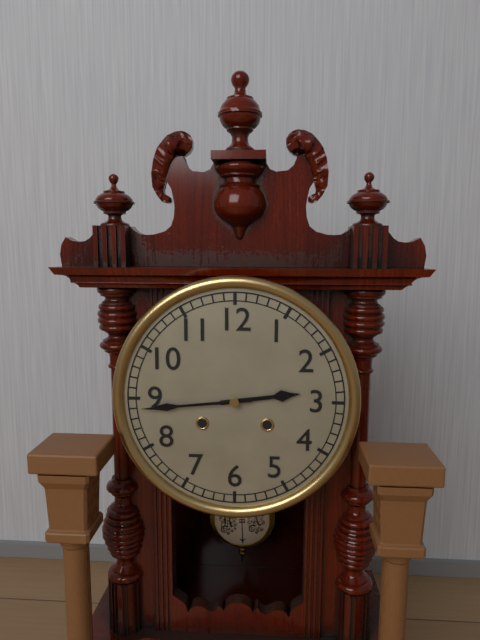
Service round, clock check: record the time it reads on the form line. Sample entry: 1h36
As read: 2h44
